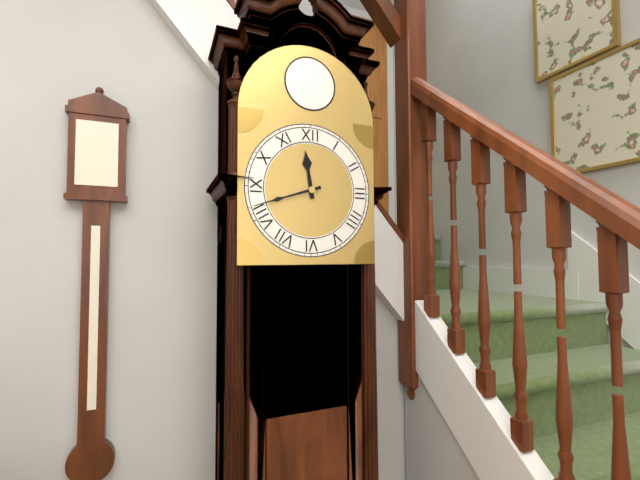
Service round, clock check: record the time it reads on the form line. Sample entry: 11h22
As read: 11h42
